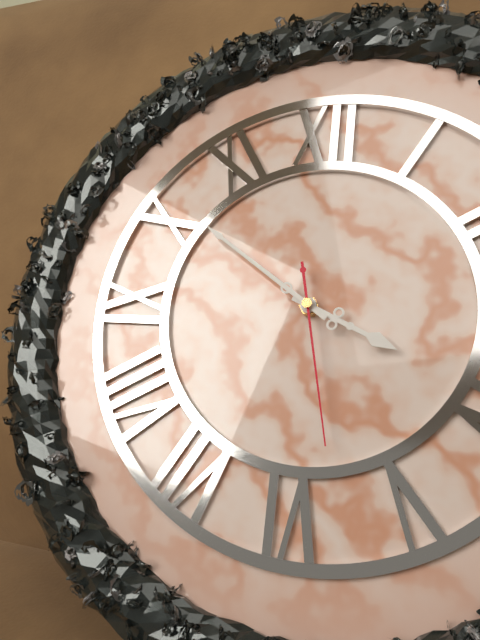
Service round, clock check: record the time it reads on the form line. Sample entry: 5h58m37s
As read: 3h51m28s
